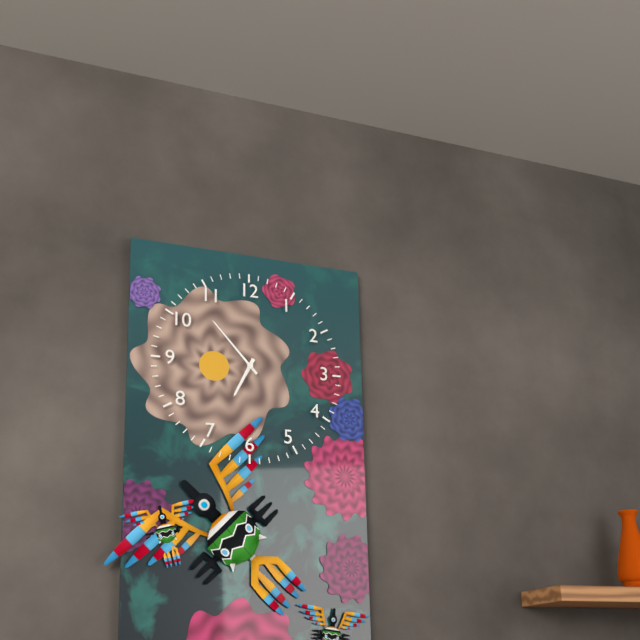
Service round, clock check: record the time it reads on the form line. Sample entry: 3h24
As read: 6h53
